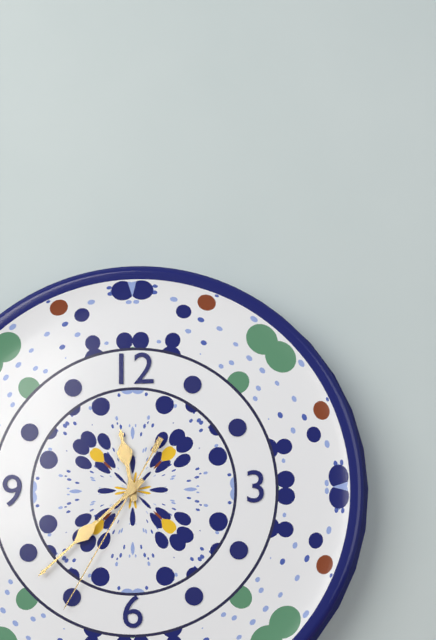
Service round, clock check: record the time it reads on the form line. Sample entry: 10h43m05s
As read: 11h38m35s
